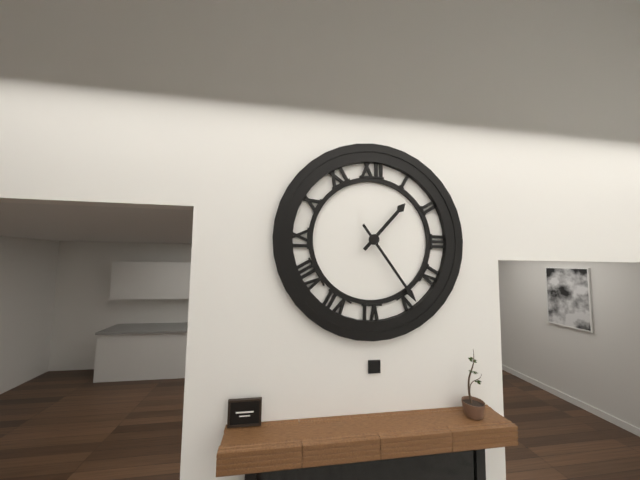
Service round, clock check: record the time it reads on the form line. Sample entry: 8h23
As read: 1h24
